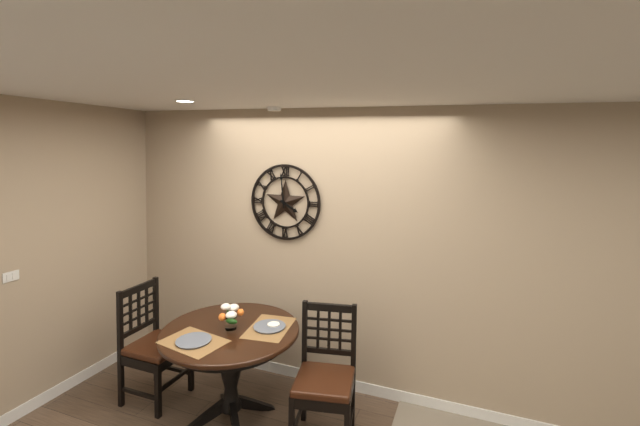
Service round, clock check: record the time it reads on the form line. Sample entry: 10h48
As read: 3h59
